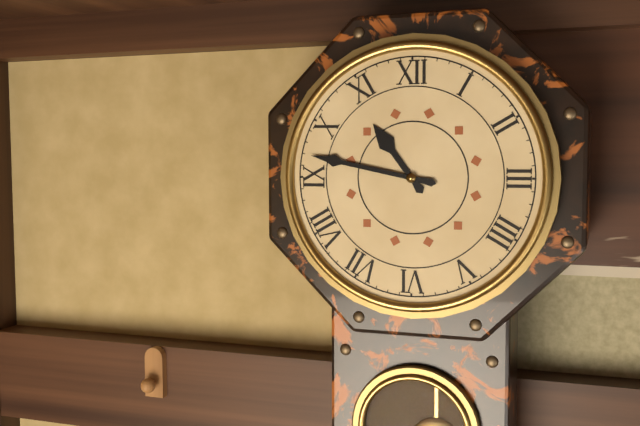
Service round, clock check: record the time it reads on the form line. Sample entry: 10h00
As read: 10h47
